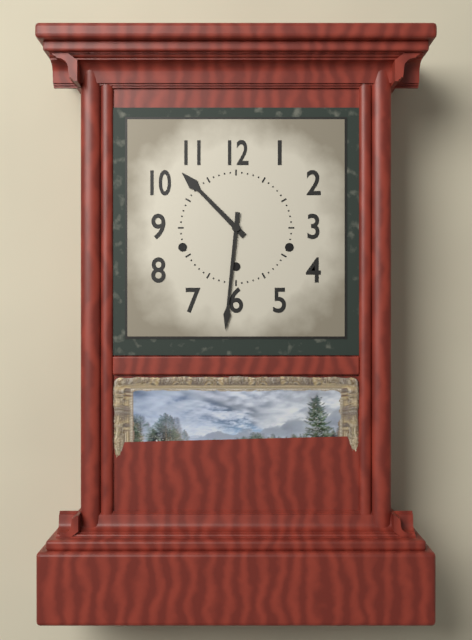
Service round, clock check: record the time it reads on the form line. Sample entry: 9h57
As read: 10h31
